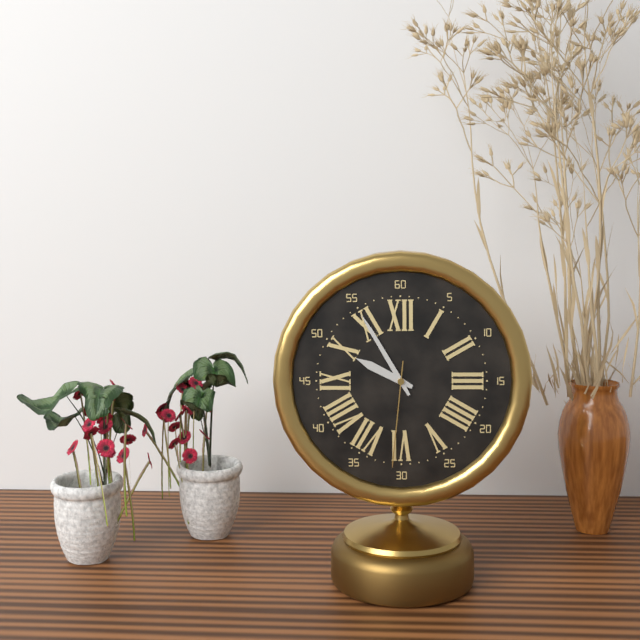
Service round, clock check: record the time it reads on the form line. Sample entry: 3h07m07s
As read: 9h55m31s
